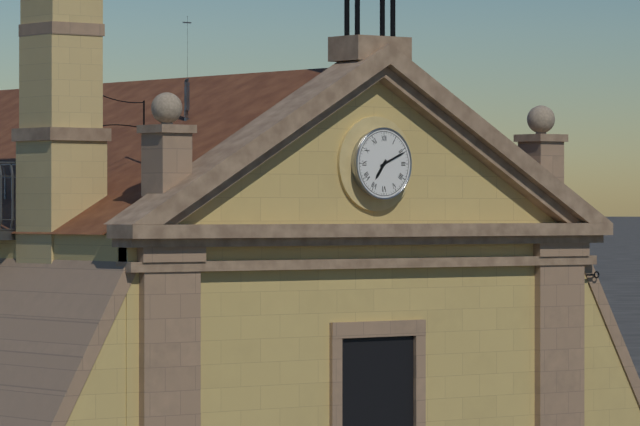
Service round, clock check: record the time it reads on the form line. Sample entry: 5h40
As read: 7h11
